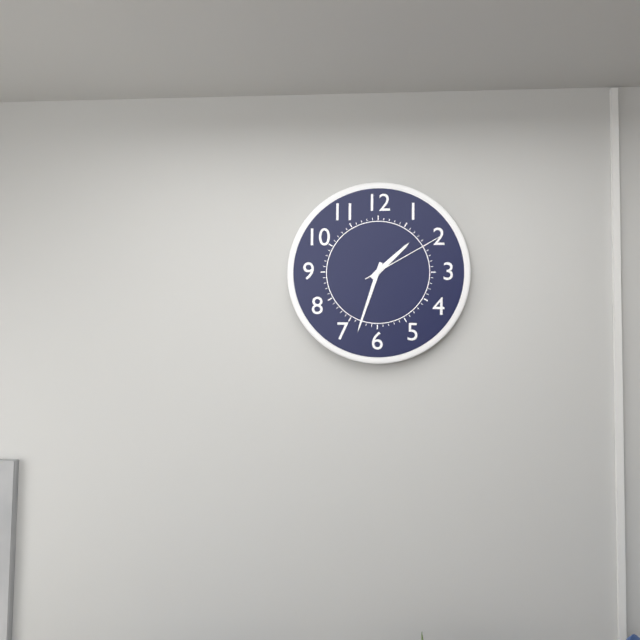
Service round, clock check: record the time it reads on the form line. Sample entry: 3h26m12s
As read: 1h33m10s
